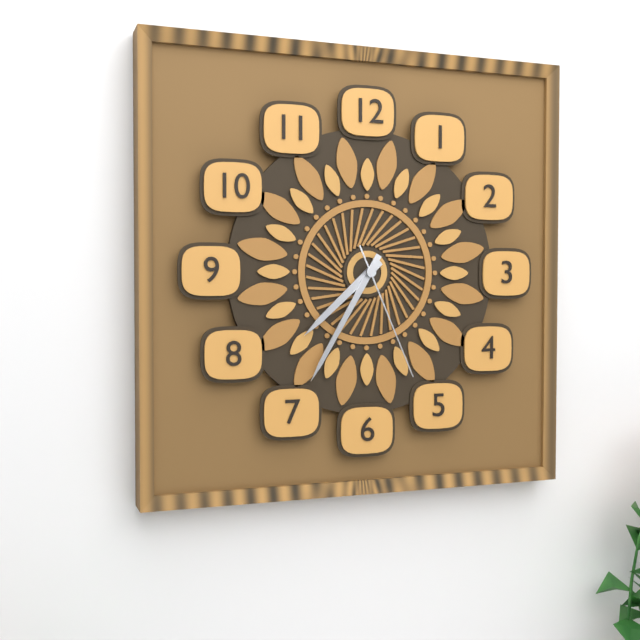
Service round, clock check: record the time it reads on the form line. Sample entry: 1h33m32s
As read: 7h35m26s
